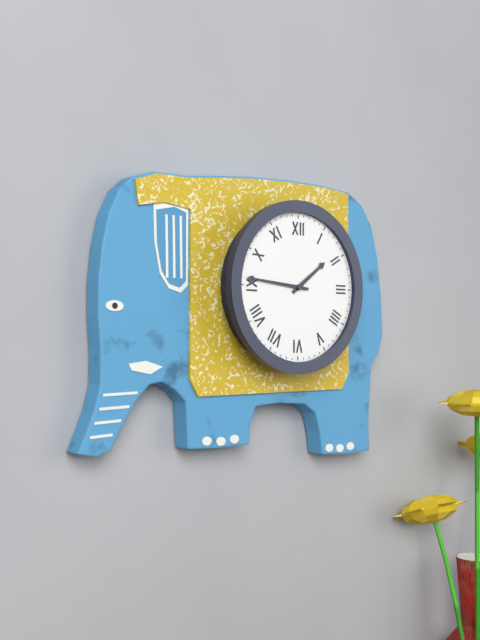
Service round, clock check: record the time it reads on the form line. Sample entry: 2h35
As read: 1h46
